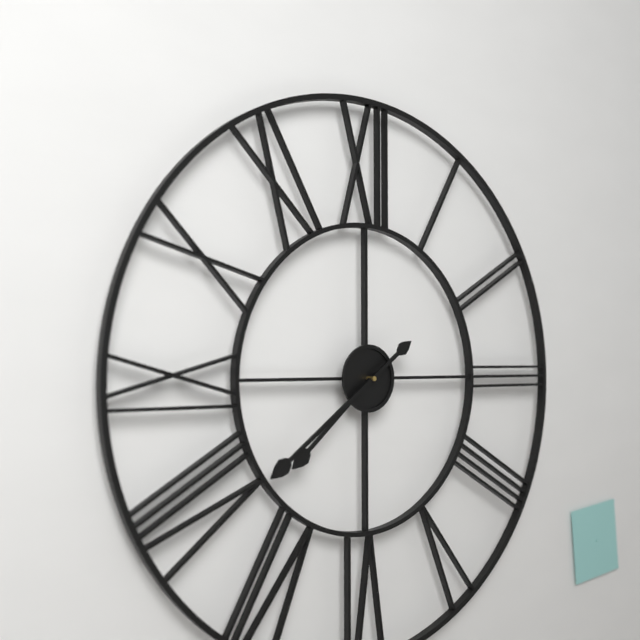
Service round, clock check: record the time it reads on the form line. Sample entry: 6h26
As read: 7h39
